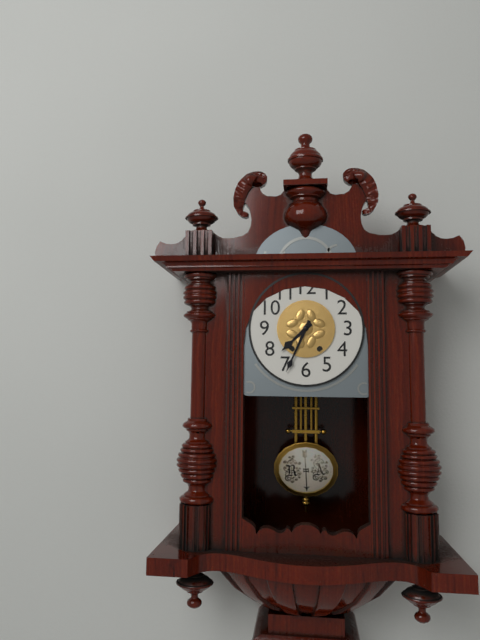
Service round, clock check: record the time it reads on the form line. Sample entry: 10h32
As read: 7h34
